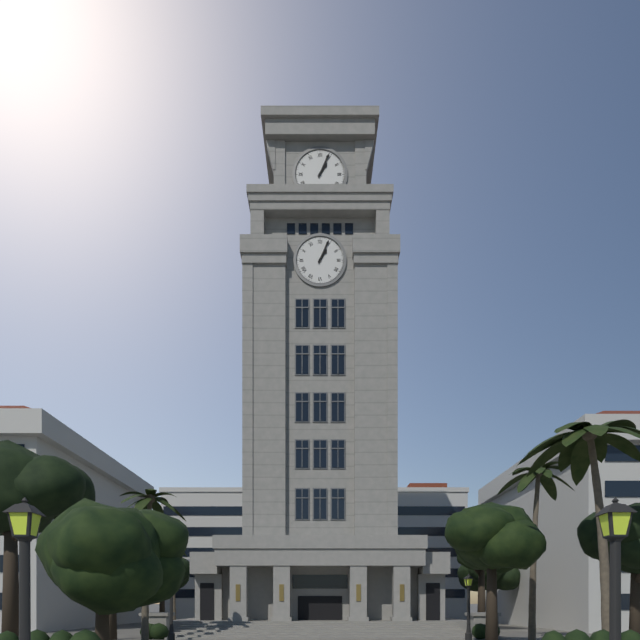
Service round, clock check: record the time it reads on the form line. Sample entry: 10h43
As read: 1h04
